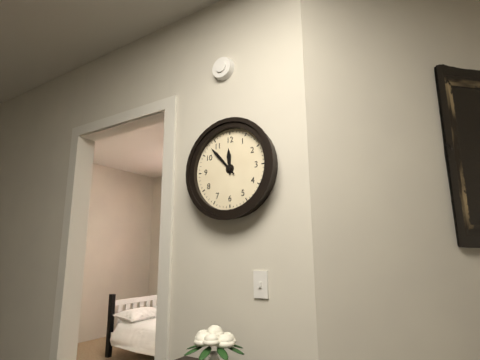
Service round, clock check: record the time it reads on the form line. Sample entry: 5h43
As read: 11h53
